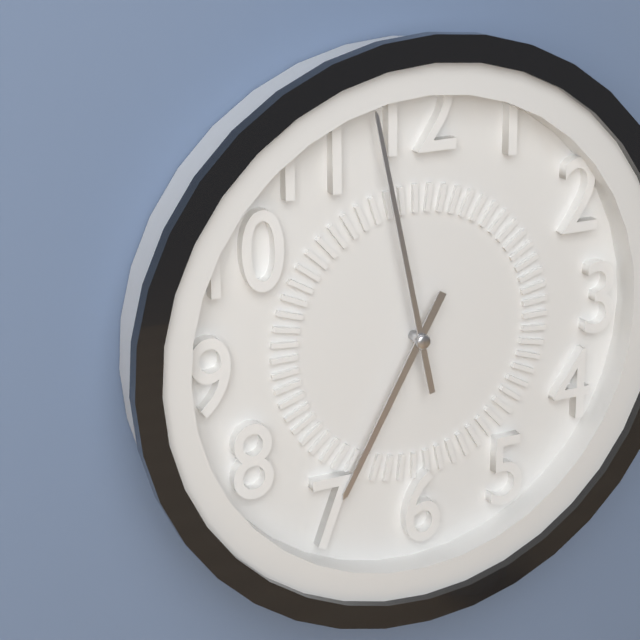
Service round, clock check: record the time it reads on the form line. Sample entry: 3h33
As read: 6h58
